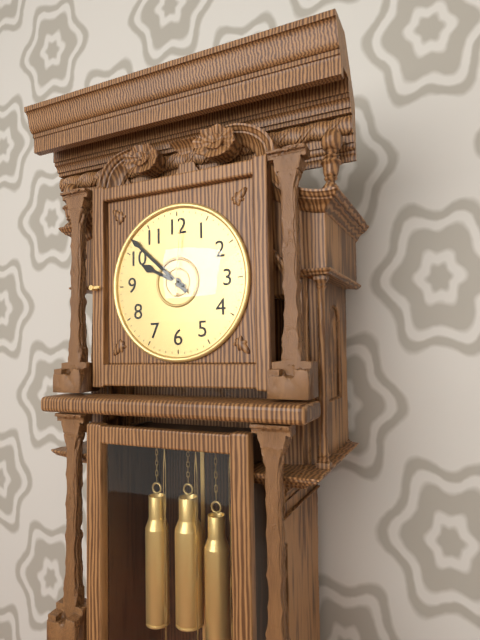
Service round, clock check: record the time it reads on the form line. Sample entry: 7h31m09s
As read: 9h52m01s
